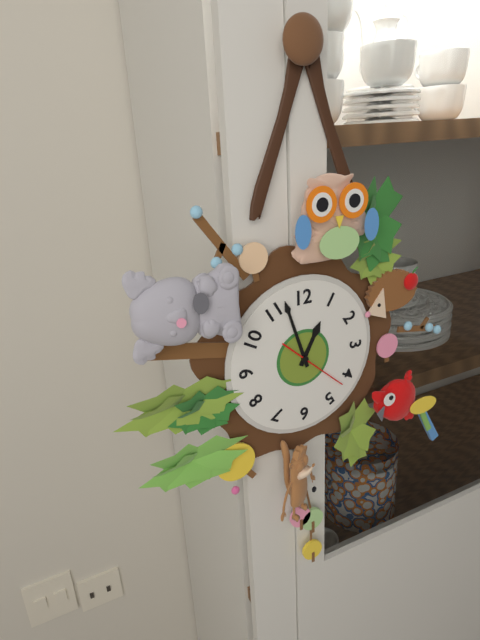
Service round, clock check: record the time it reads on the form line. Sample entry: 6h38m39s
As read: 12h57m22s
